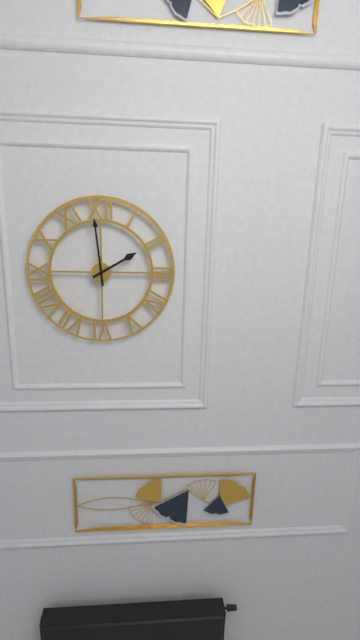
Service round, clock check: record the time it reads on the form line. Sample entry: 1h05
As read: 1h59
